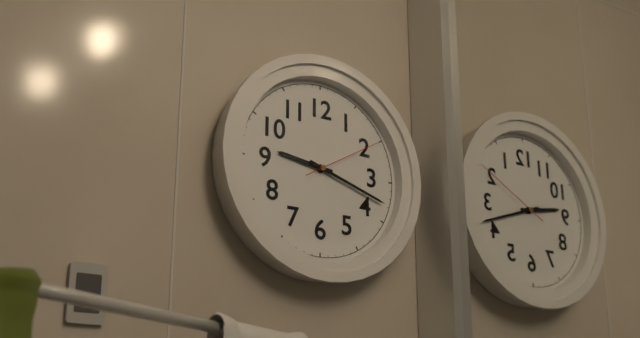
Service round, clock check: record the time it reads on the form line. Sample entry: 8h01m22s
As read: 9h18m10s
